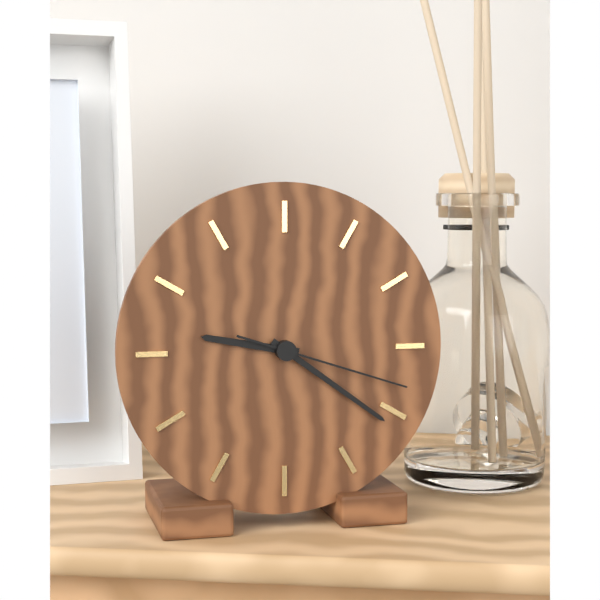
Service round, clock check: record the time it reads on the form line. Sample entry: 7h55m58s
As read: 9h21m18s
